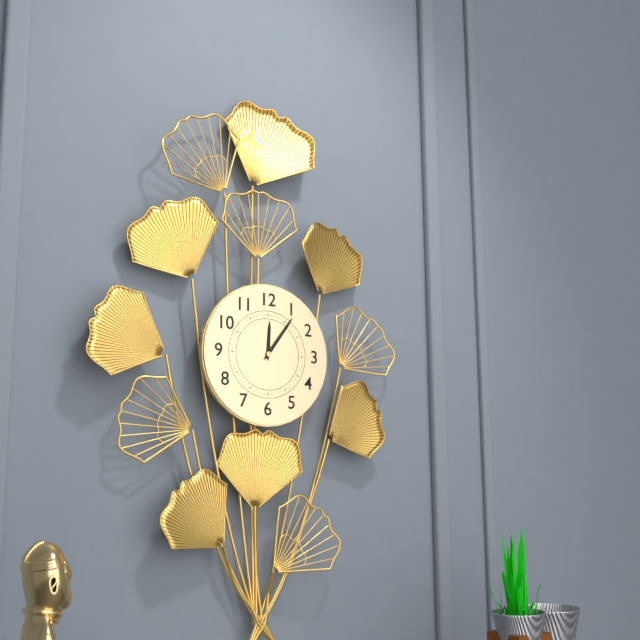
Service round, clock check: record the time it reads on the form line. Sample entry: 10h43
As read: 12h06
